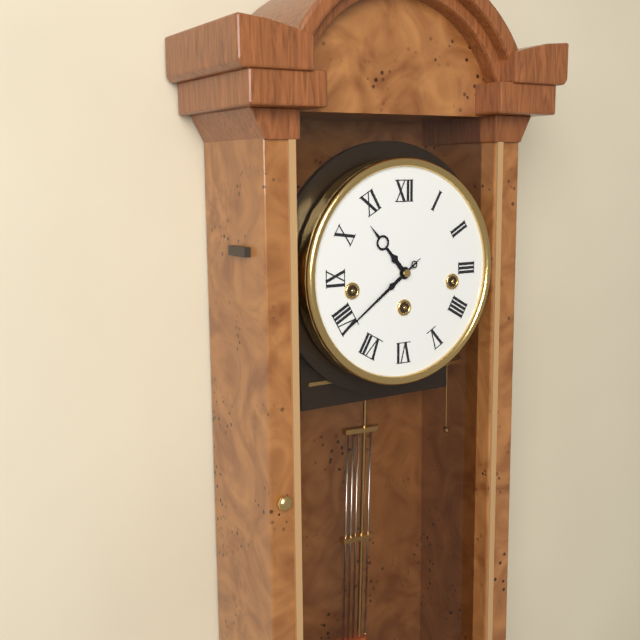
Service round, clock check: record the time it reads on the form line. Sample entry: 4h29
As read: 10h39
